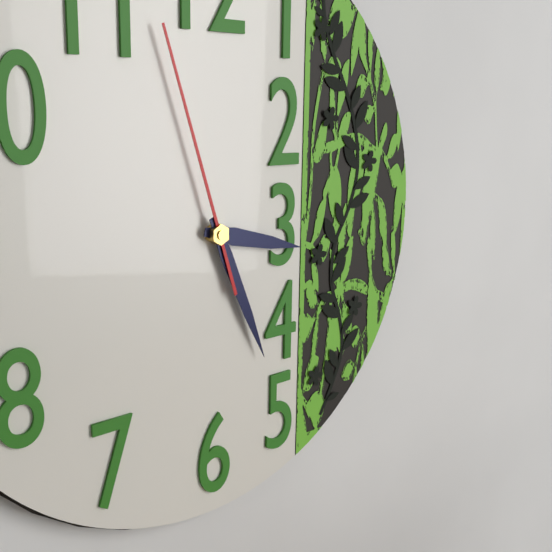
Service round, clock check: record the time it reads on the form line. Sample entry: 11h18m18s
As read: 3h26m57s
